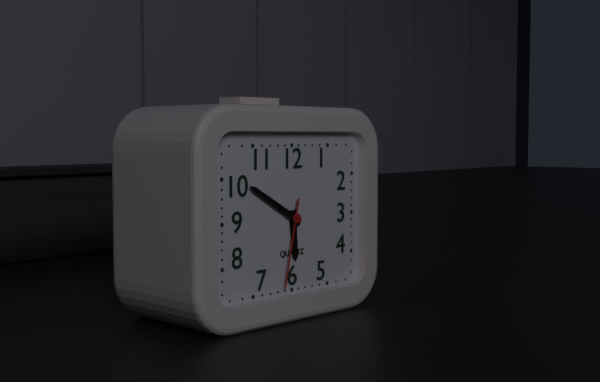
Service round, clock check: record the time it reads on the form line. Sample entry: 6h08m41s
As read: 5h50m32s
